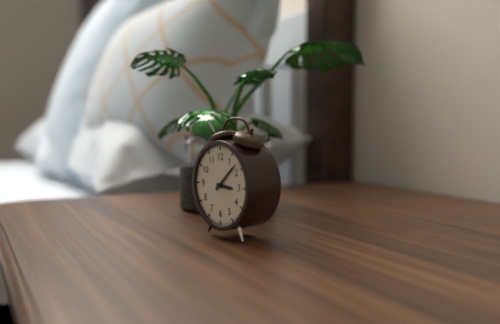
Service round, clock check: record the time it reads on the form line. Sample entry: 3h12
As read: 3h08
